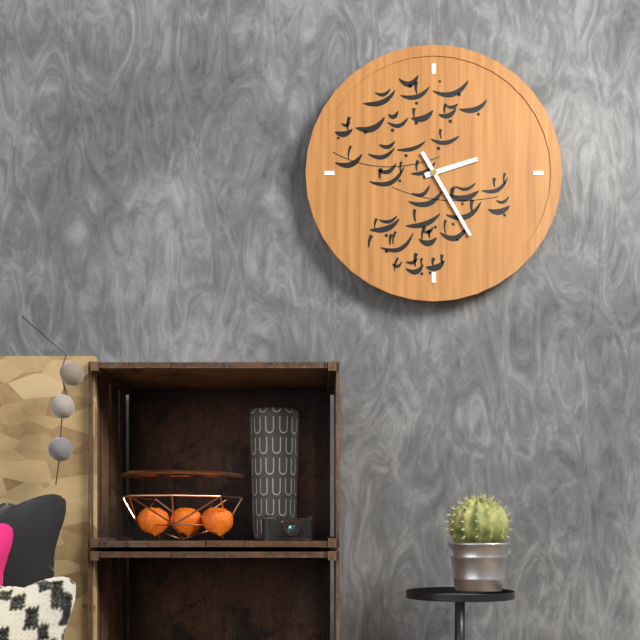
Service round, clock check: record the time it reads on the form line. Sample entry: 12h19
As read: 2h25
